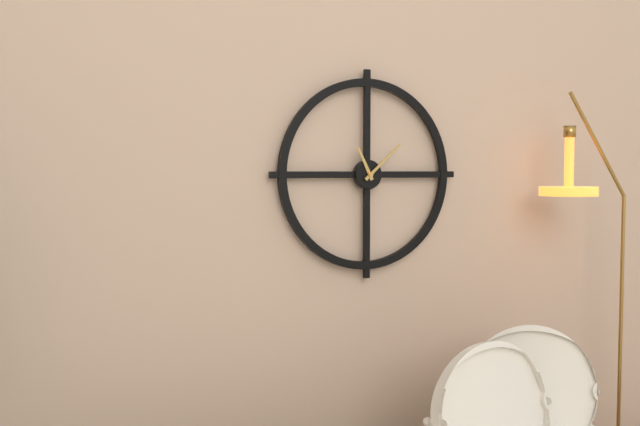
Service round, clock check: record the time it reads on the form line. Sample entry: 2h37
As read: 11h08
